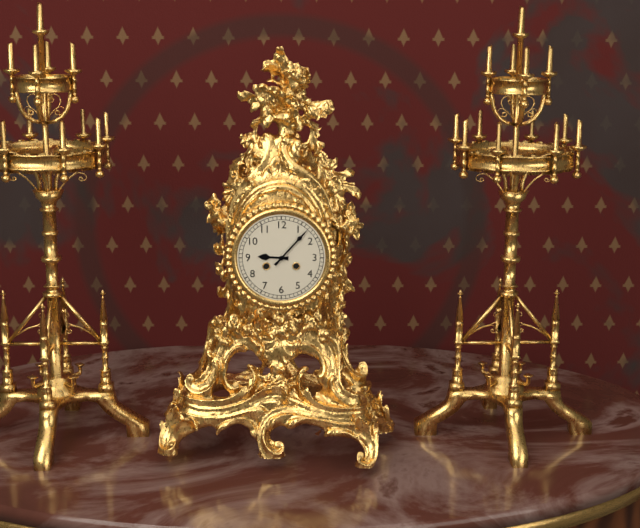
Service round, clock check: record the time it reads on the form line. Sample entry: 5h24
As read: 9h07
